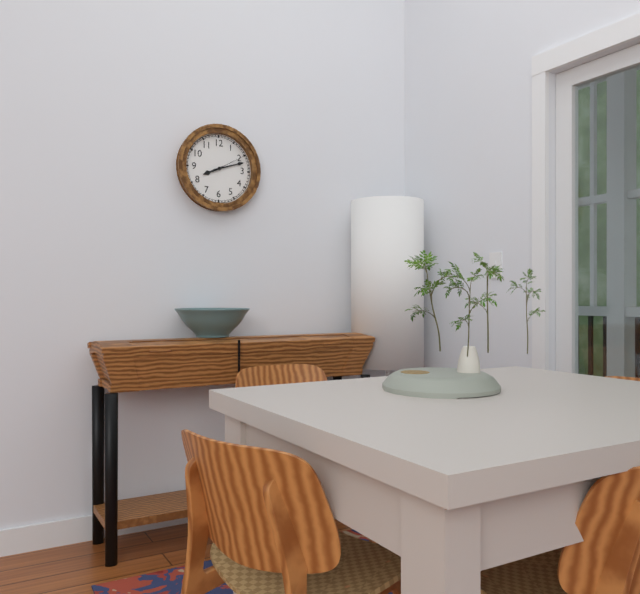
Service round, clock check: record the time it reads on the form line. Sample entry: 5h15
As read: 8h12
